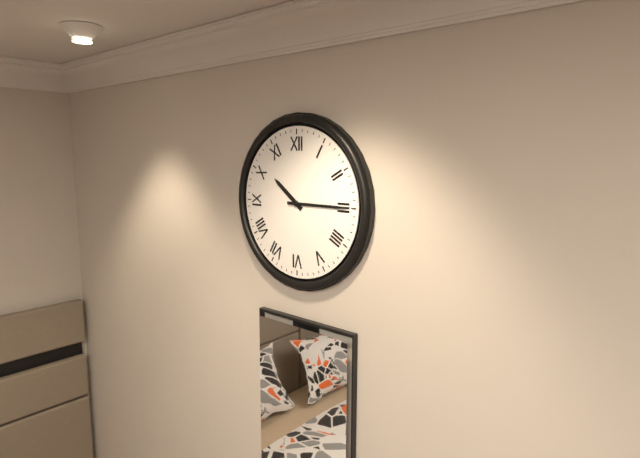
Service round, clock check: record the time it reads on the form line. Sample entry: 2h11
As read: 10h15
